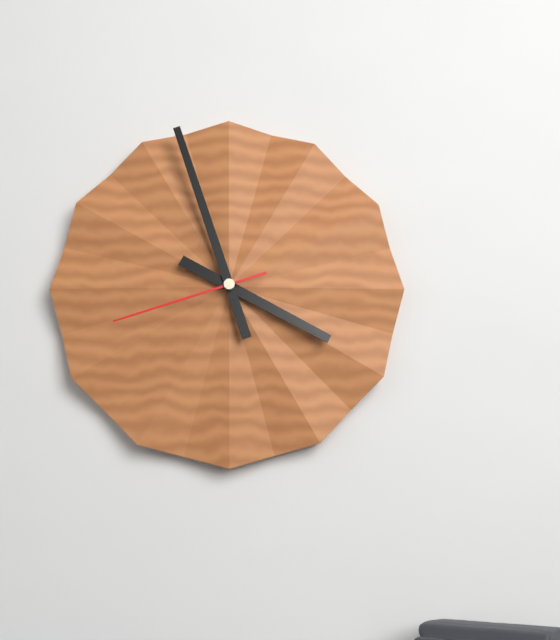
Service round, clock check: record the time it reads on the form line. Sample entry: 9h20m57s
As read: 3h57m42s
